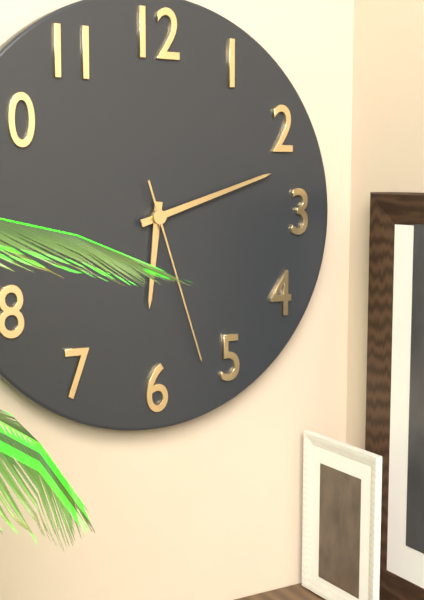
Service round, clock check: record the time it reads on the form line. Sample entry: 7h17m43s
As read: 6h12m27s
